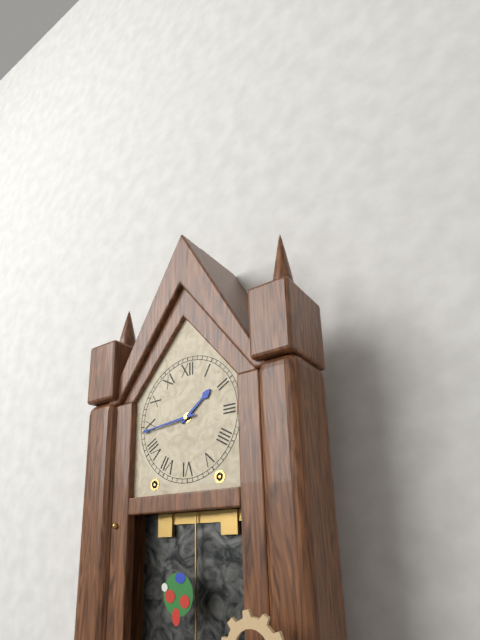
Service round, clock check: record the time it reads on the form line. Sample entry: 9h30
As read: 1h44
